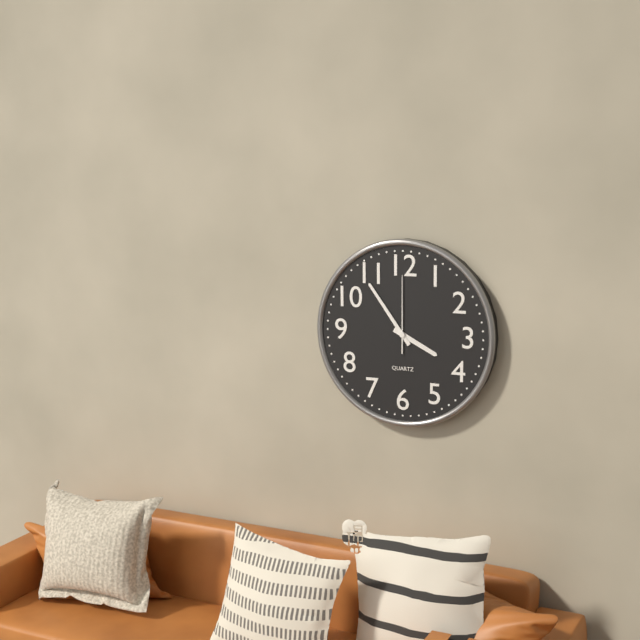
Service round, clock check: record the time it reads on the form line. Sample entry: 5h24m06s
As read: 3h54m00s
